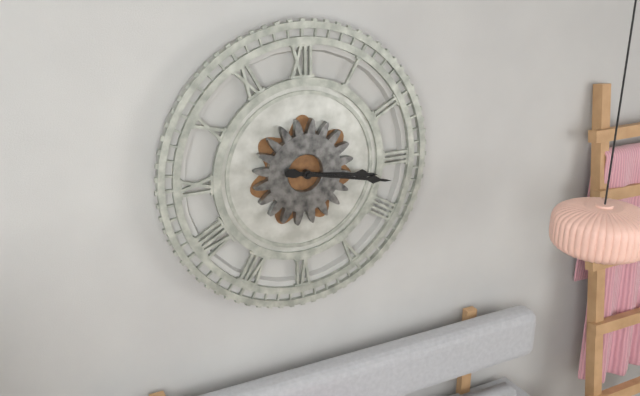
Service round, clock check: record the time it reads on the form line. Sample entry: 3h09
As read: 3h17
